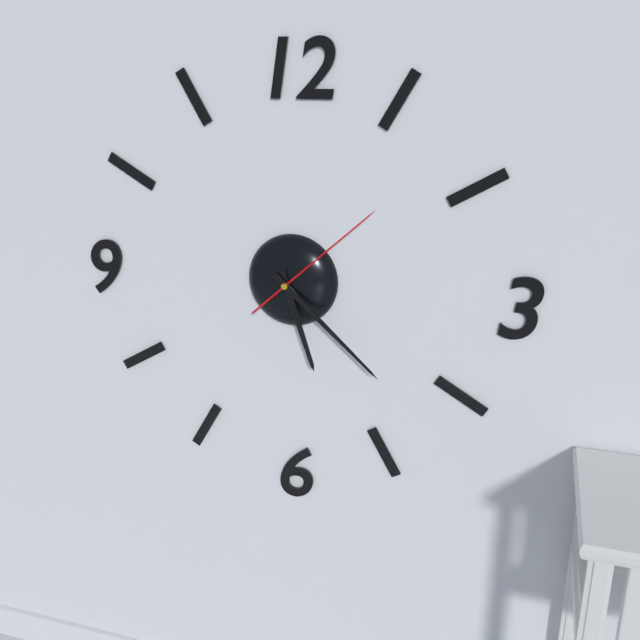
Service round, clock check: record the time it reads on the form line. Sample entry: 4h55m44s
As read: 5h22m08s
